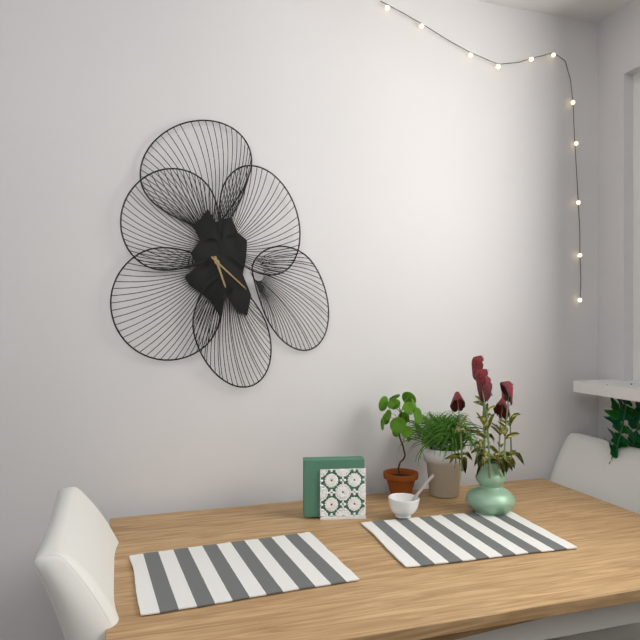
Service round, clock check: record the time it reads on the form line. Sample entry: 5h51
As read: 5h22
